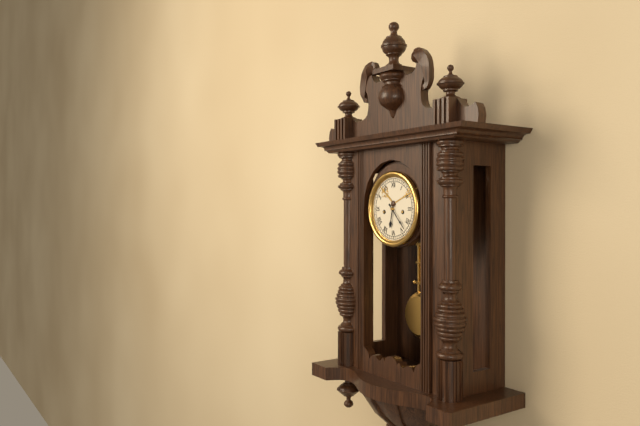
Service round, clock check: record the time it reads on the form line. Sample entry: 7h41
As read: 6h23
